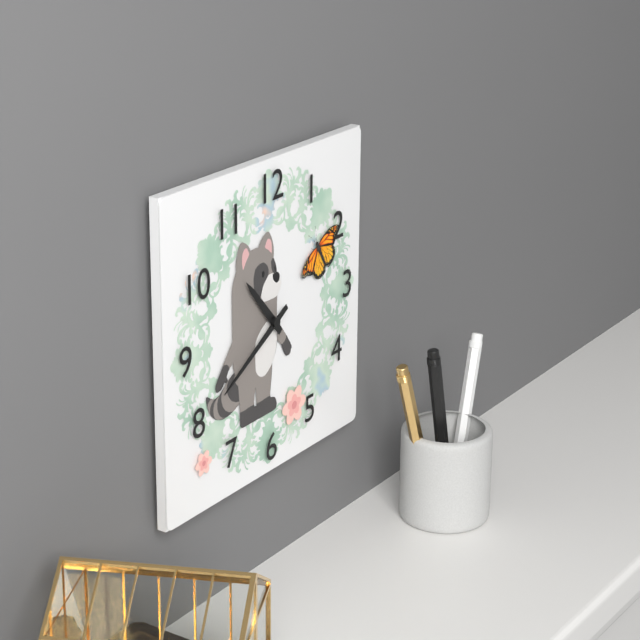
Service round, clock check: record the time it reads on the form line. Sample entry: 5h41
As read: 10h40
